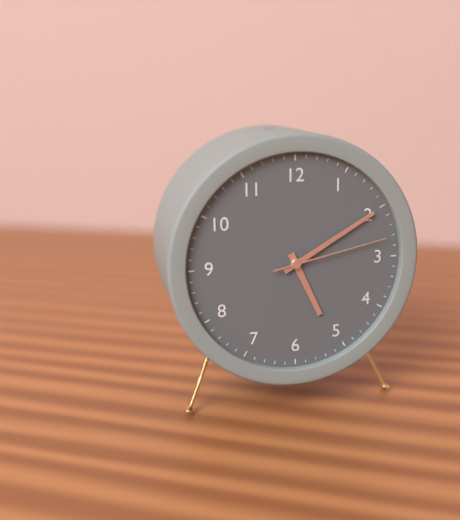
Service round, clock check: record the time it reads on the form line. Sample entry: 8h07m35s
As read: 5h10m13s
